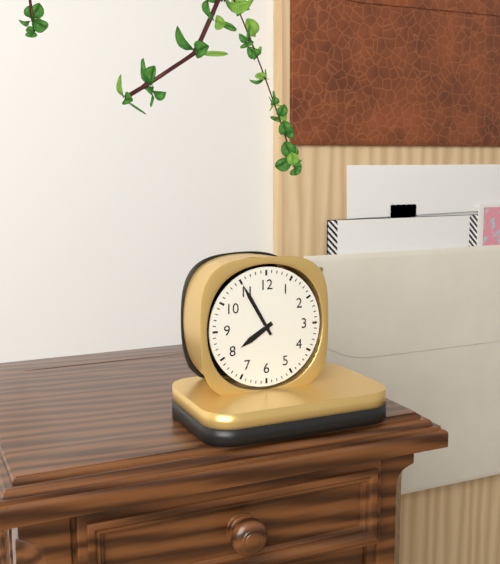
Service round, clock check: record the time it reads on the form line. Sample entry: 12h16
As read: 7h55
